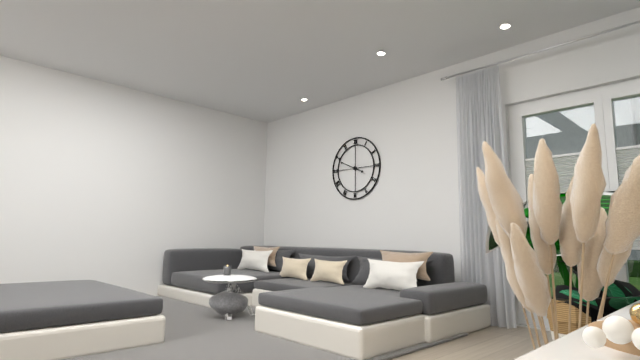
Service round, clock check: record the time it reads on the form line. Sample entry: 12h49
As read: 3h49
